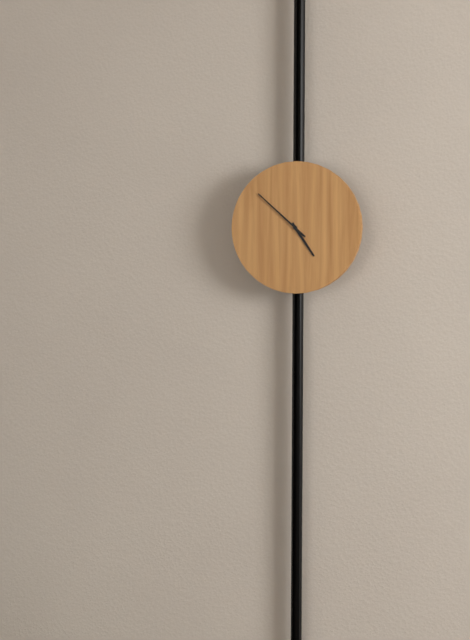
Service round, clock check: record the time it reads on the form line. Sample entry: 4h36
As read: 4h52
